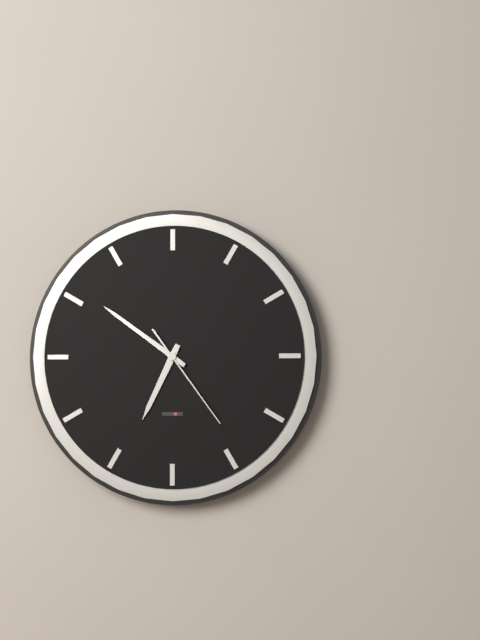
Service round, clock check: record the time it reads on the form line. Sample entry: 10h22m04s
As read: 6h51m24s
